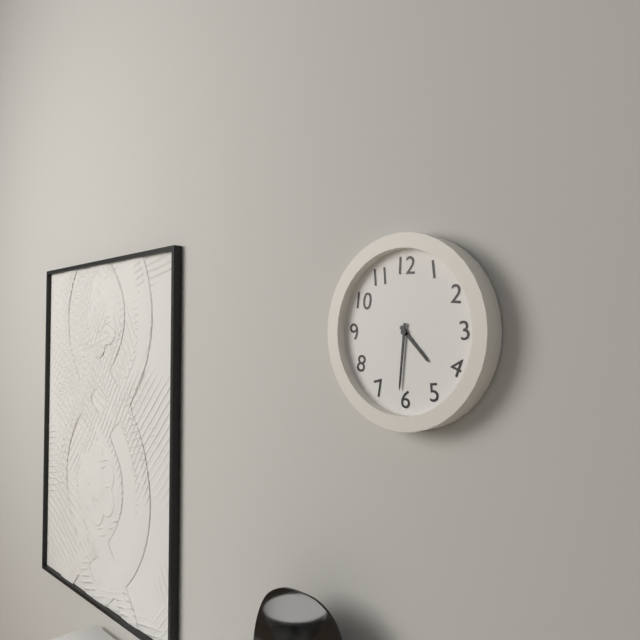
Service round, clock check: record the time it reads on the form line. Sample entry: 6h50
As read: 4h31
